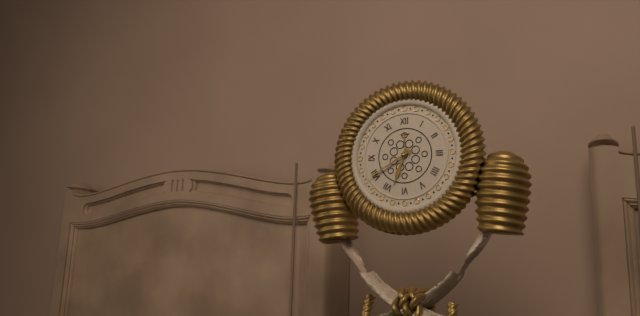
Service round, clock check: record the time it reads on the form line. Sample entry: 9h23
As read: 6h40
